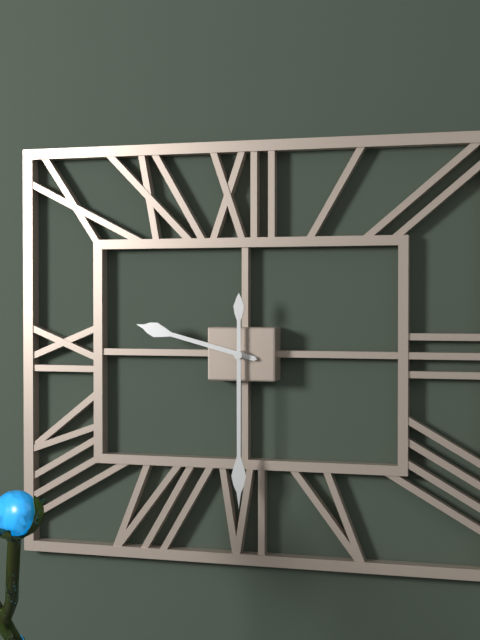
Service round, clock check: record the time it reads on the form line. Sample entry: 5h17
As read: 9h30
